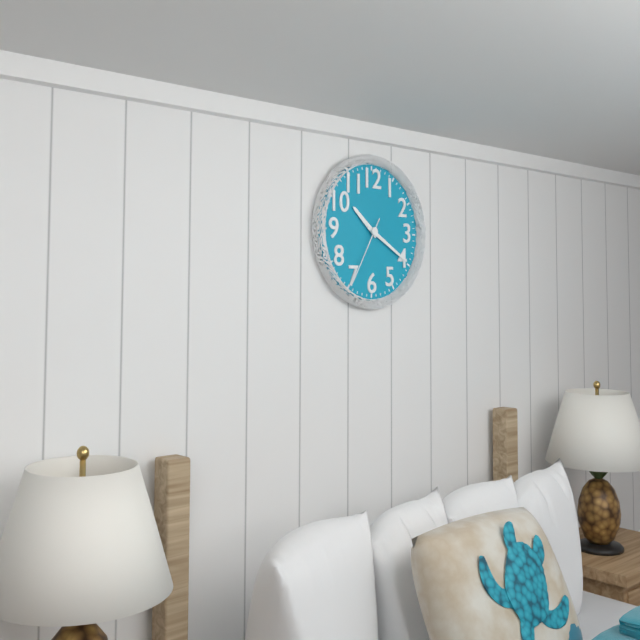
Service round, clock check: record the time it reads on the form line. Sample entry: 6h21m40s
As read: 10h20m35s
